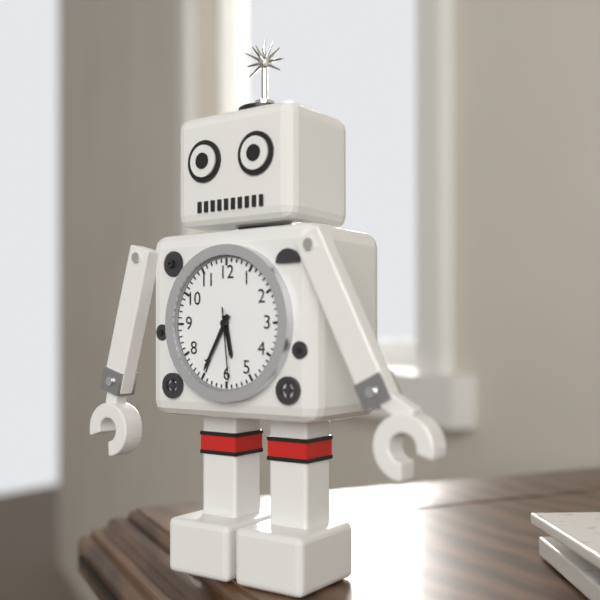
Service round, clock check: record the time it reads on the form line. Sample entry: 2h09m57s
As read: 5h35m29s
